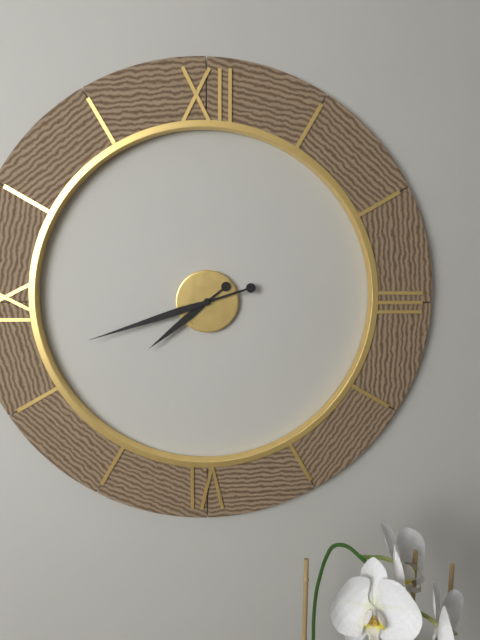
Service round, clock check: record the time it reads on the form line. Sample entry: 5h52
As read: 7h42
